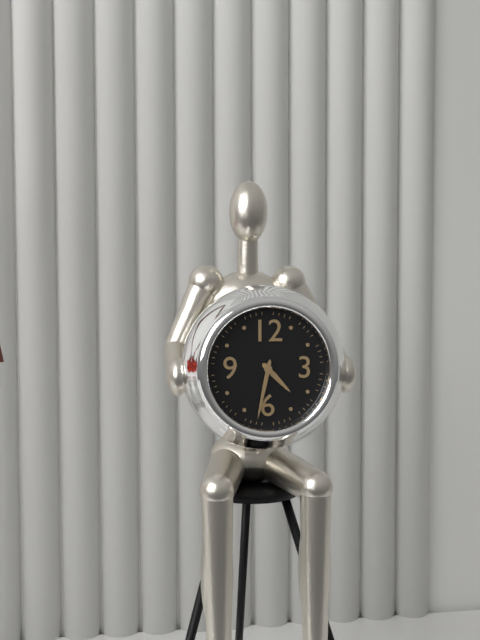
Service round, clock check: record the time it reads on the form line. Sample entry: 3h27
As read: 4h32
